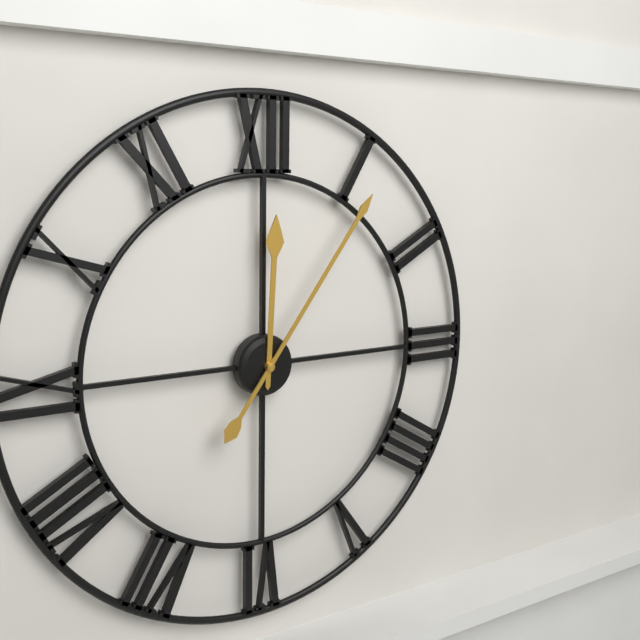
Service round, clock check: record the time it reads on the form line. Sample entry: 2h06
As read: 12h06
